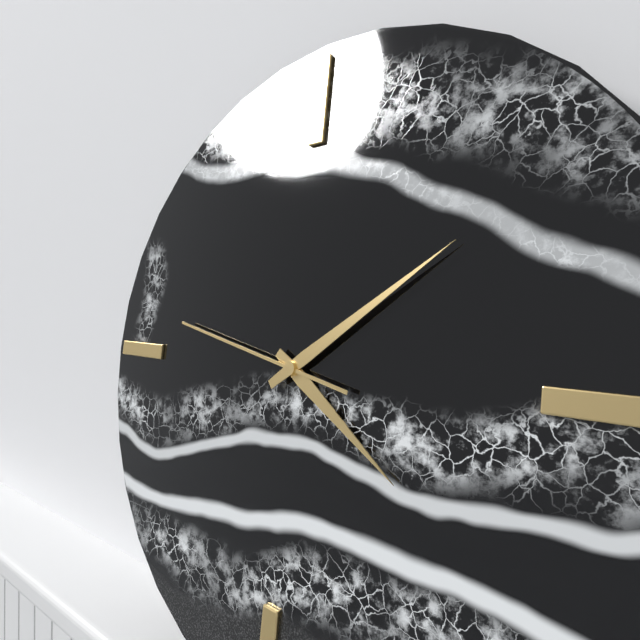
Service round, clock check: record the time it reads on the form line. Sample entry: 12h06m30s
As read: 4h09m47s
